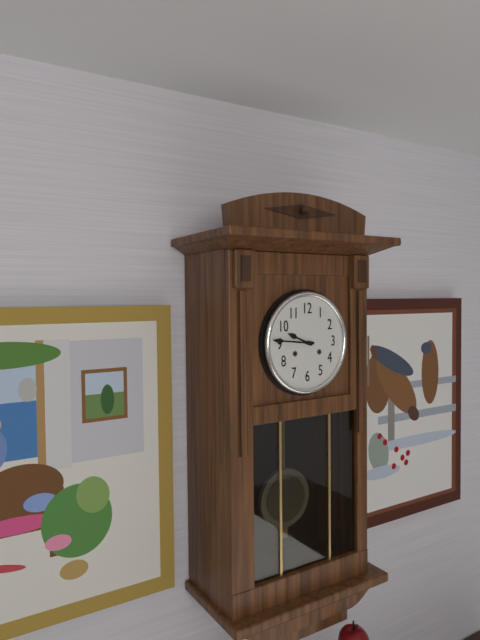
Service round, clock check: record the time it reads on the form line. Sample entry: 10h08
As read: 9h46
